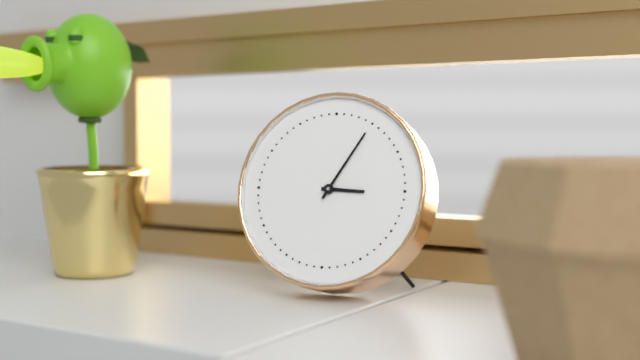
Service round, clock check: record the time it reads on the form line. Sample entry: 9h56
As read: 3h05
